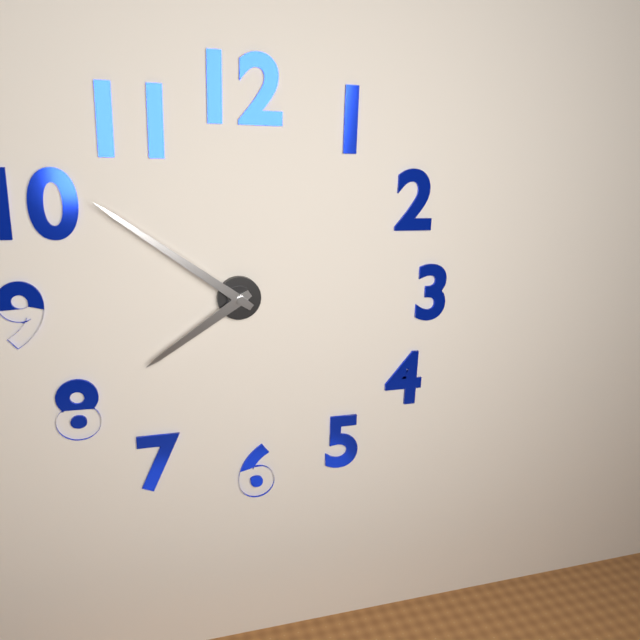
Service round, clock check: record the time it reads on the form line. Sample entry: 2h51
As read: 7h51
